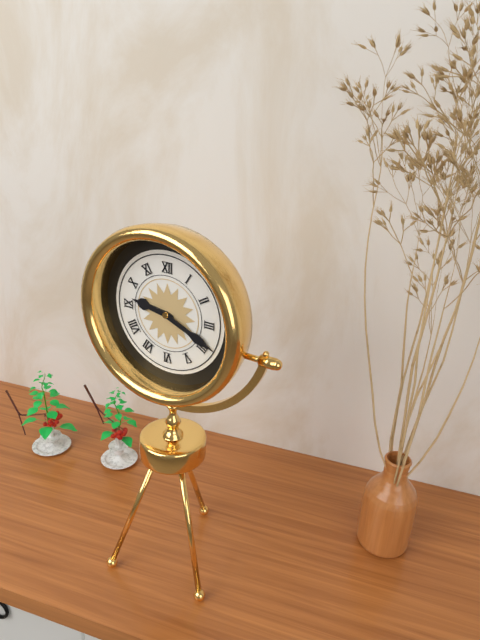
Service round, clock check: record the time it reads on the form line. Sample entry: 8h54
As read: 9h19
